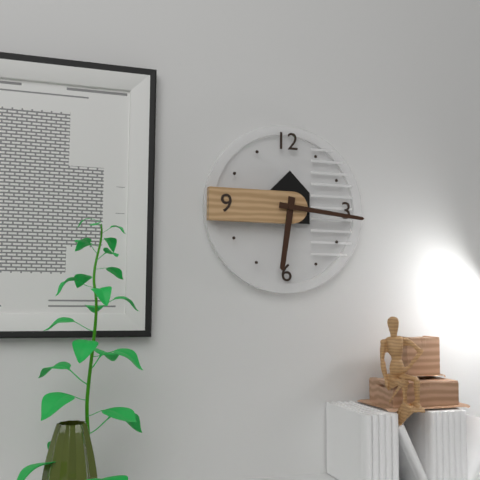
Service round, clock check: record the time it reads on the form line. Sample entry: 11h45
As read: 6h16
